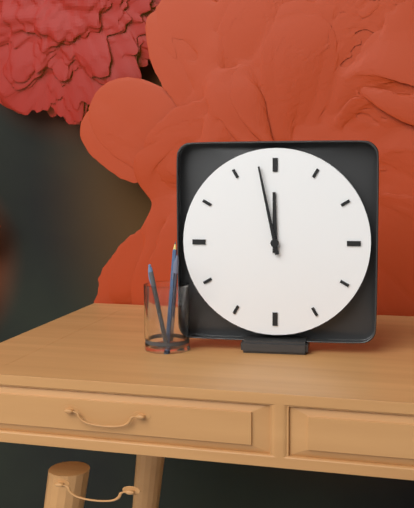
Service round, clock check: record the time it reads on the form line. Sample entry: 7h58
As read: 11h58
